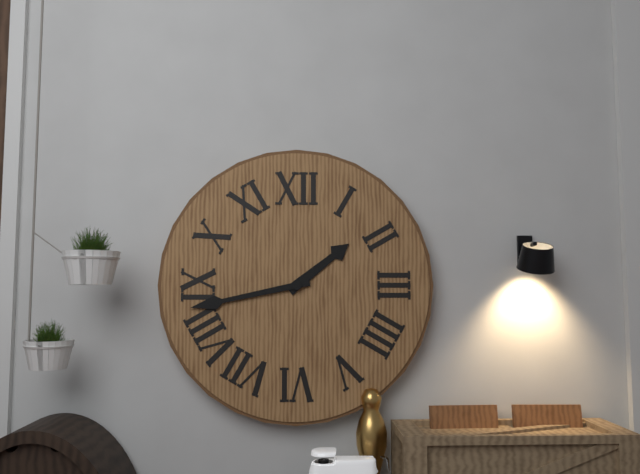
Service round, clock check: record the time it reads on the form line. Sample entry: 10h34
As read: 1h43
